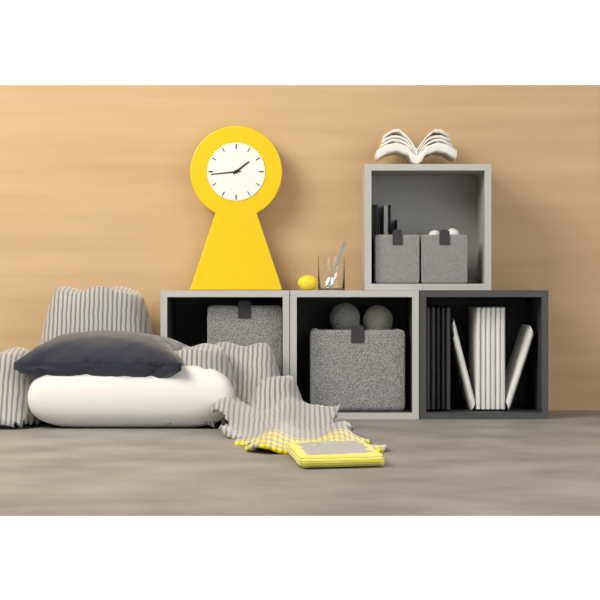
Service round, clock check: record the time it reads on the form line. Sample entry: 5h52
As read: 1h44
